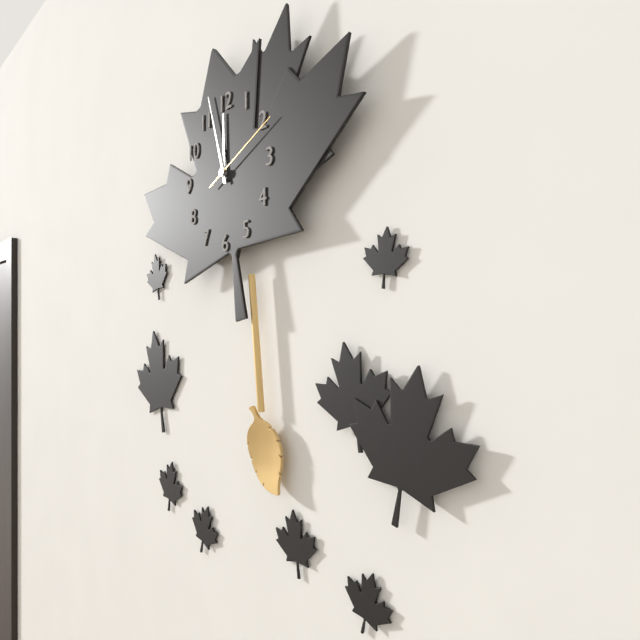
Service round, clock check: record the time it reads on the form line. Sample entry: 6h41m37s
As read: 11h57m11s
